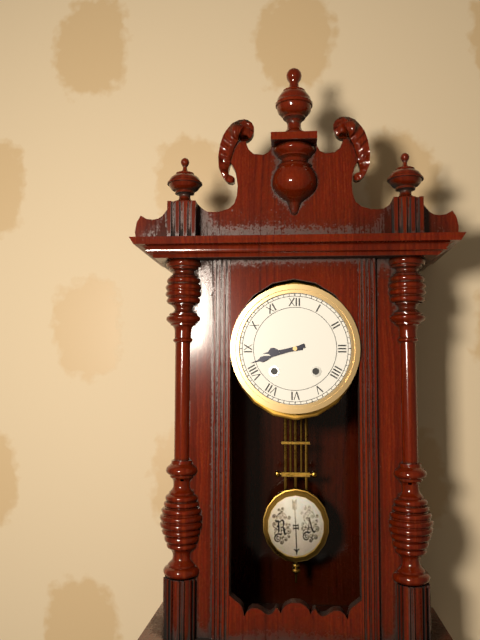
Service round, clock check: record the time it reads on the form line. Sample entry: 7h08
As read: 8h42
